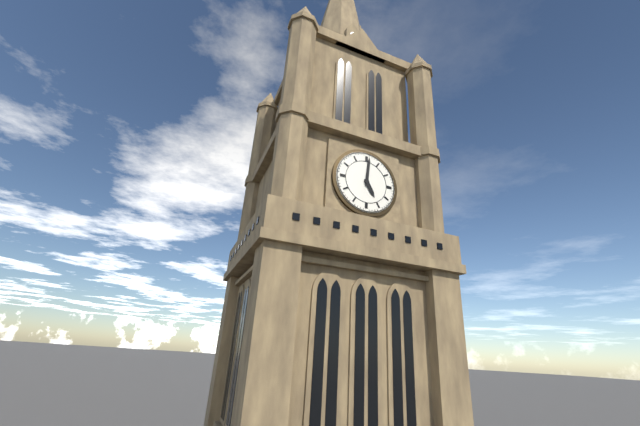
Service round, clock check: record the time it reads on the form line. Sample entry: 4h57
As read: 5h01
